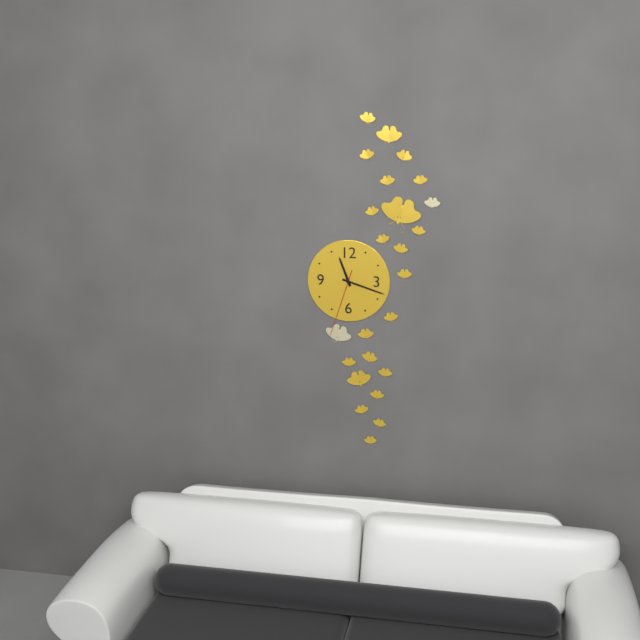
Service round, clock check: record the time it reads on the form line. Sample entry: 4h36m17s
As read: 11h18m33s
